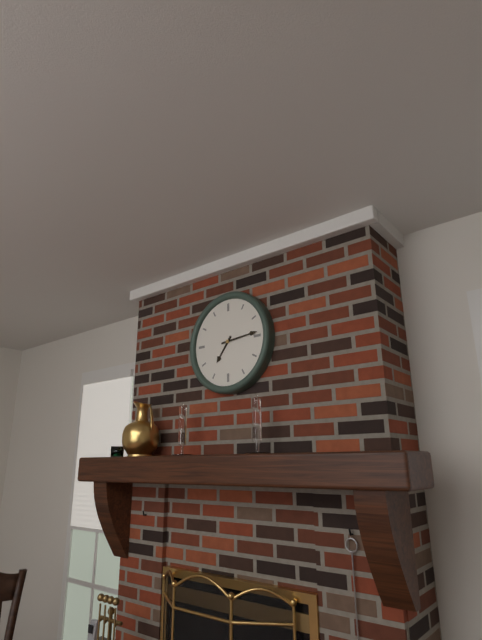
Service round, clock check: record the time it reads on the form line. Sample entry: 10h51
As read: 7h14
